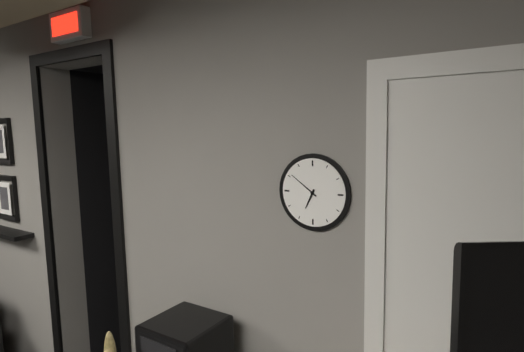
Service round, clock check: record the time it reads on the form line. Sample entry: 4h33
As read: 6h51
